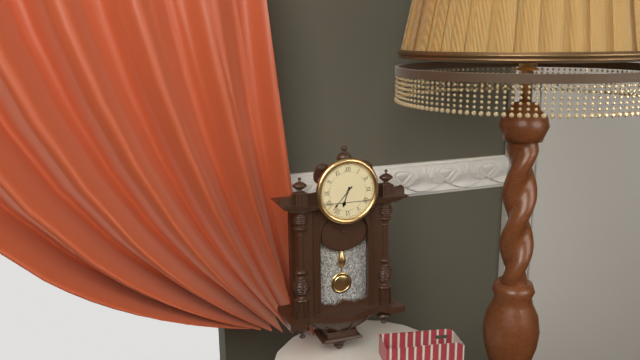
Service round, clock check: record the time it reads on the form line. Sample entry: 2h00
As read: 6h37
